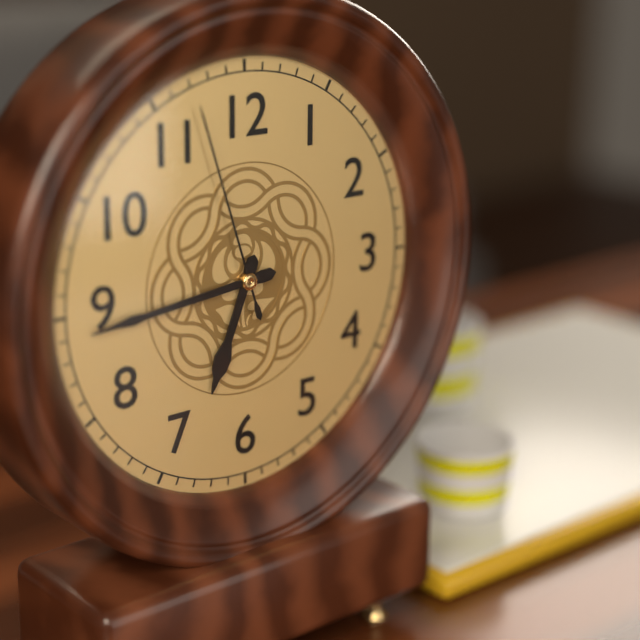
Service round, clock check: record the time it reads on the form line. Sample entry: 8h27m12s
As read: 6h44m57s
